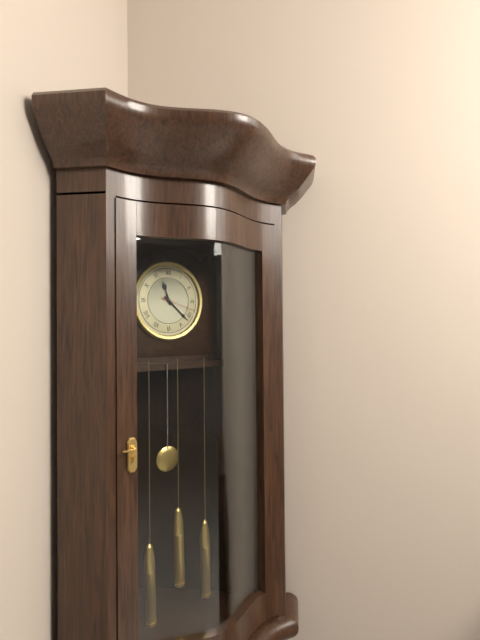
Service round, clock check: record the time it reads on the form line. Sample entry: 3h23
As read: 11h22
